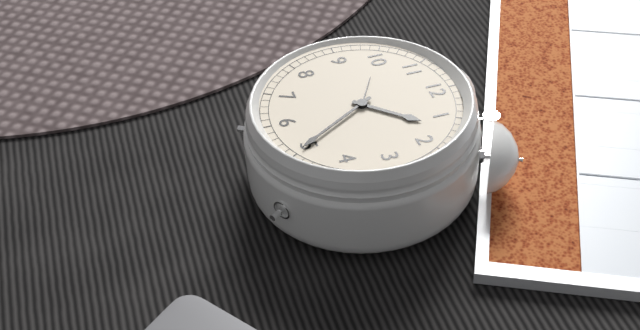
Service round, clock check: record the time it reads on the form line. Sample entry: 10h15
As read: 1h25
